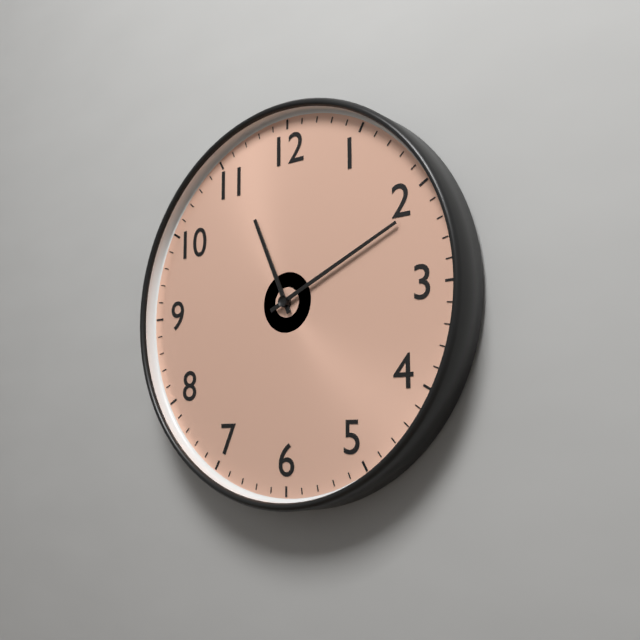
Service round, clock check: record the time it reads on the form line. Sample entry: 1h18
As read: 11h11
